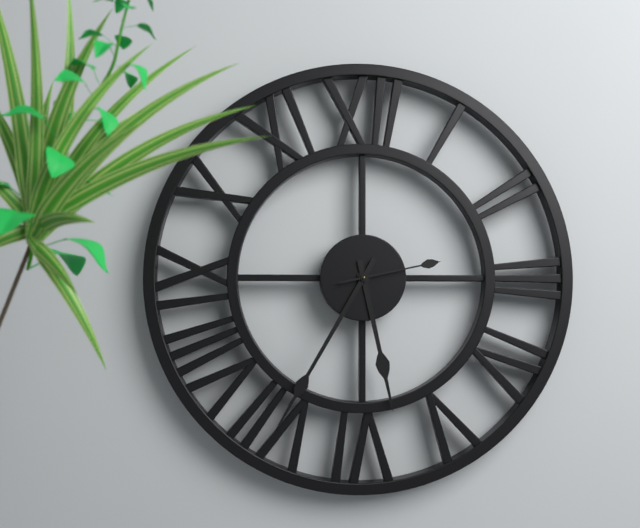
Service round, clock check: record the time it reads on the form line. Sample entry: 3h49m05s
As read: 5h35m13s
